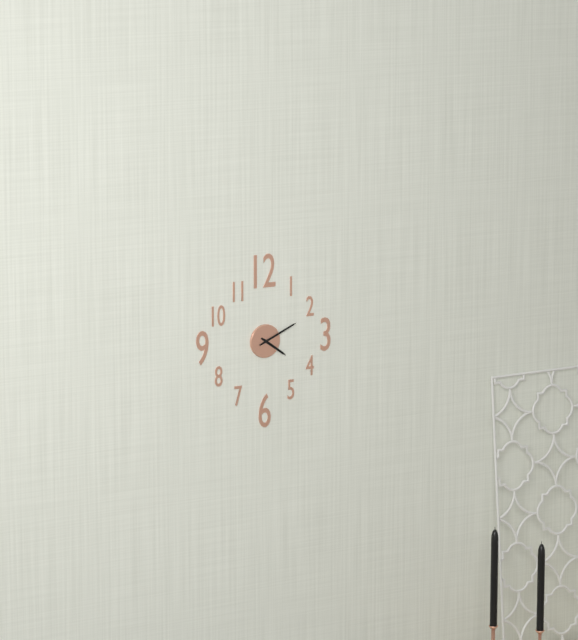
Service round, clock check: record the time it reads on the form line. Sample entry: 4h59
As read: 4h11
